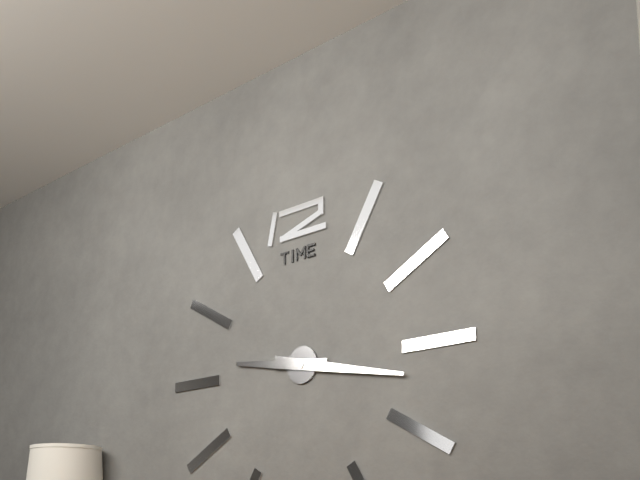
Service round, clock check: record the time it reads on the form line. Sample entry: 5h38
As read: 9h17
